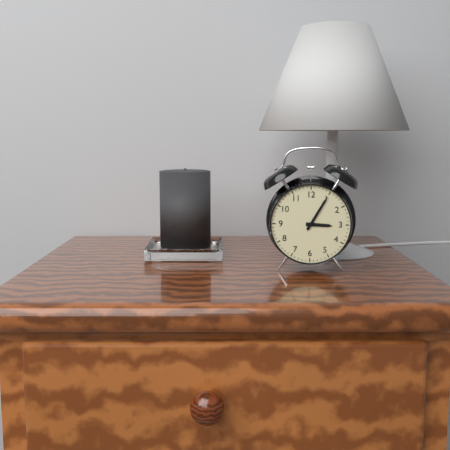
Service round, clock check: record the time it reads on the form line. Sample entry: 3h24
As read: 3h05
